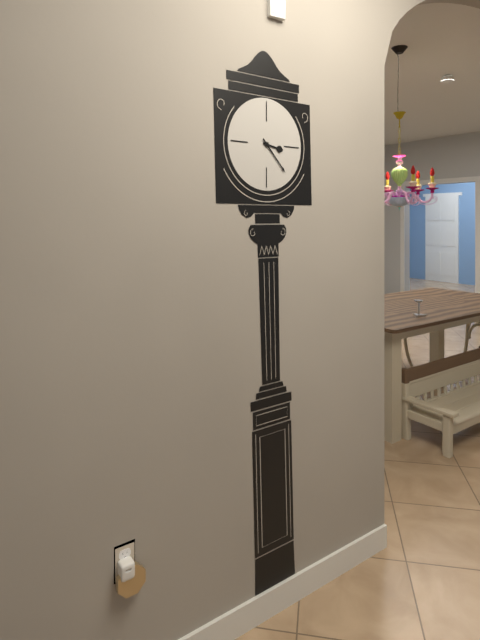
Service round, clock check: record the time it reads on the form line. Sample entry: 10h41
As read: 3h23
